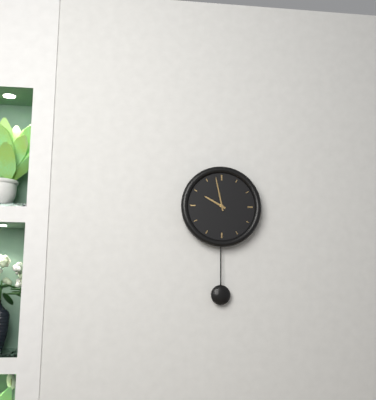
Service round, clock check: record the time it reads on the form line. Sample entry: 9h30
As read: 9h58
